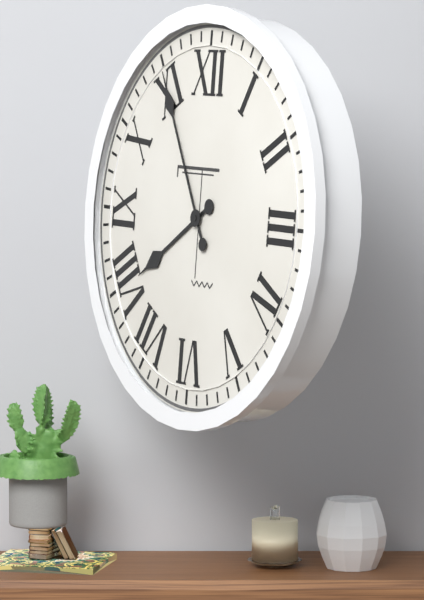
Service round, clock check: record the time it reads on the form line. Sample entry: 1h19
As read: 7h55
